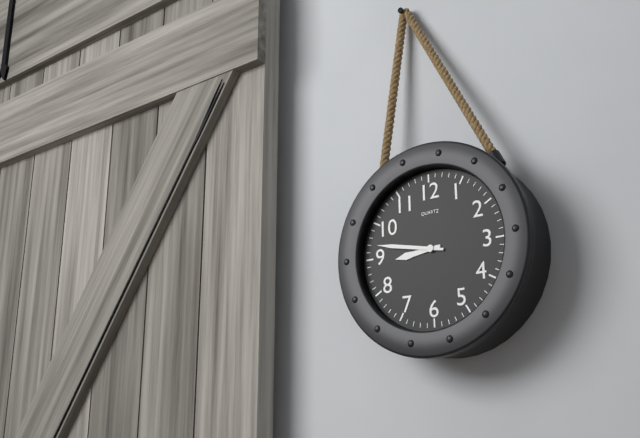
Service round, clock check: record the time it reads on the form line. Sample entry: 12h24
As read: 8h47
